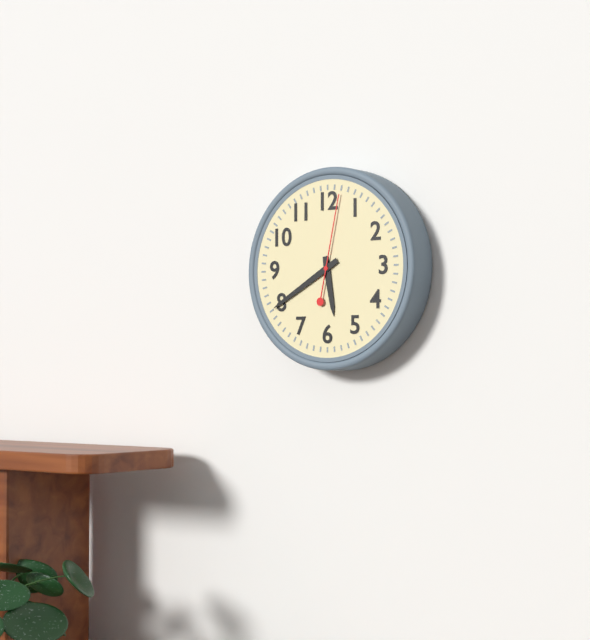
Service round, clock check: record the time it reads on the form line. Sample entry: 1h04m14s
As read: 5h40m02s
